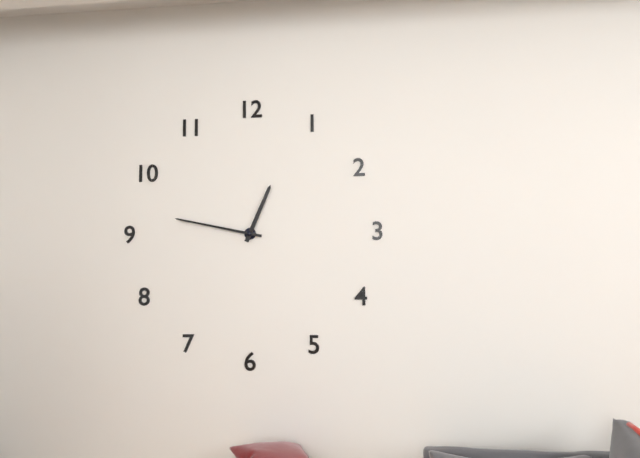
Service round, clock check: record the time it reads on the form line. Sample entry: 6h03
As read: 12h47
